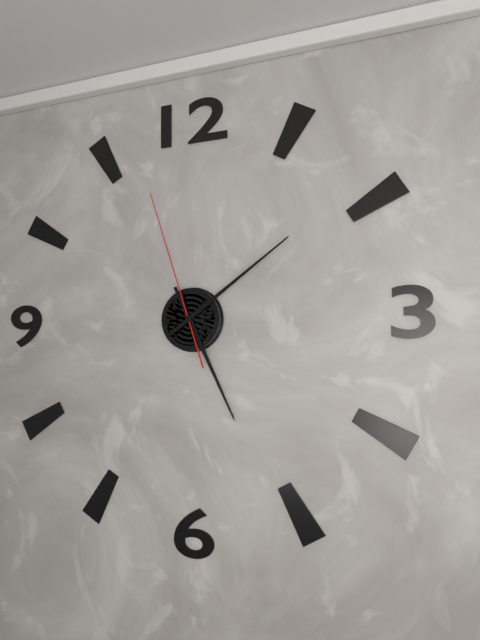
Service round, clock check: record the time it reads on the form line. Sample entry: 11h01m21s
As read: 5h09m57s
